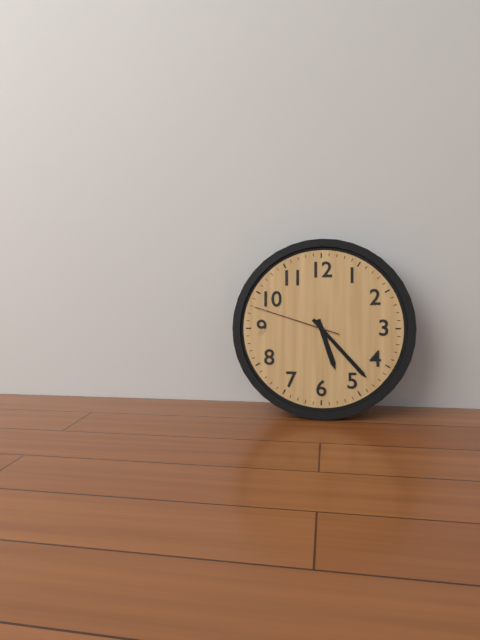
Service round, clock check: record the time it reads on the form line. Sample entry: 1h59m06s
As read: 5h23m48s
